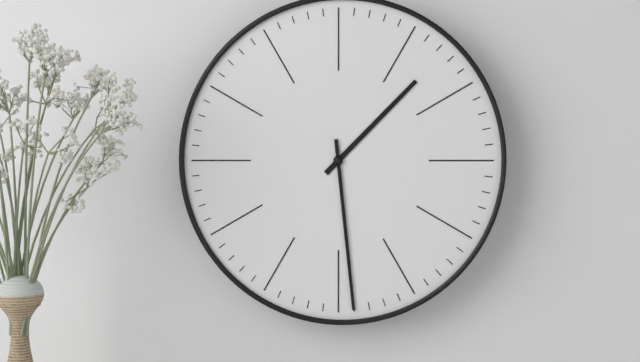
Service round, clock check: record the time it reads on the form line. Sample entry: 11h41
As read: 1h29
